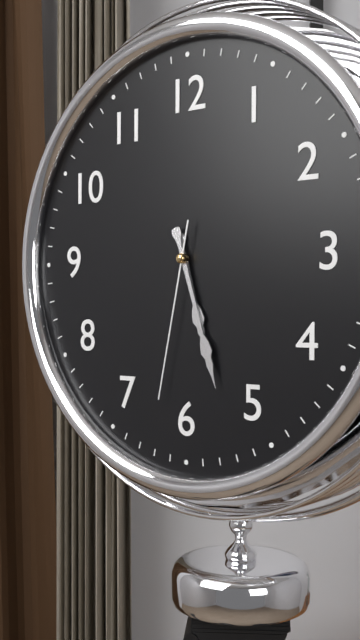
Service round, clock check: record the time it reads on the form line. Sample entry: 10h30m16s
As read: 5h27m32s
